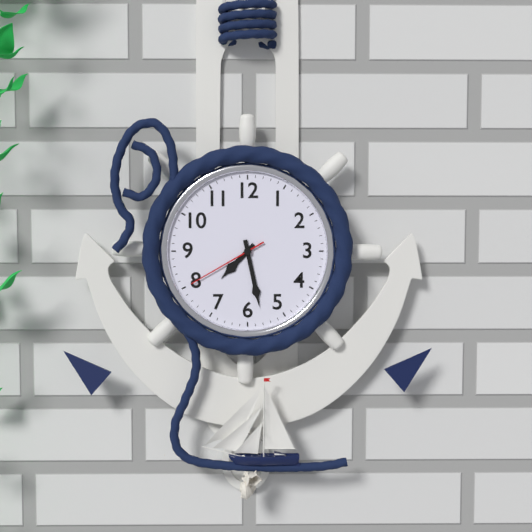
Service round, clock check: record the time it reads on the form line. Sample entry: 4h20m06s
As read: 7h28m40s
